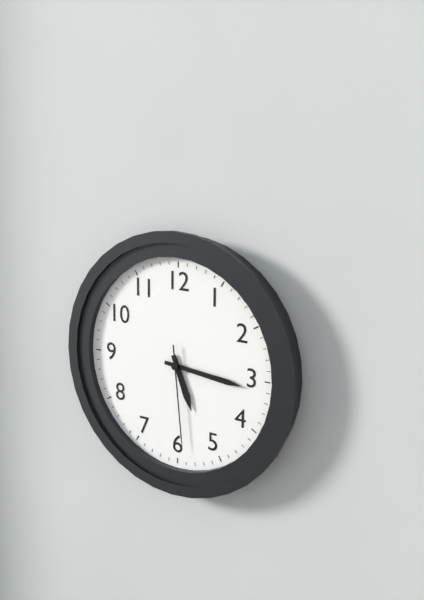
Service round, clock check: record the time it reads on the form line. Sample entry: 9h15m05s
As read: 5h16m29s
